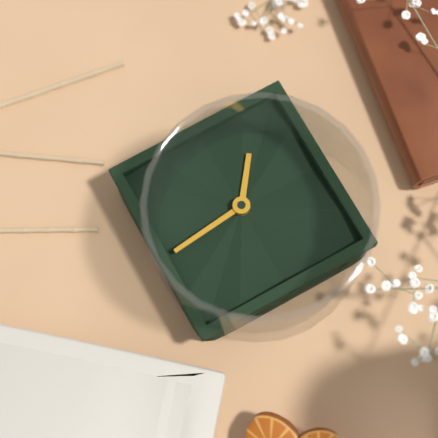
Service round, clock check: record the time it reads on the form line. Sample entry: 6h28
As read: 7h14
